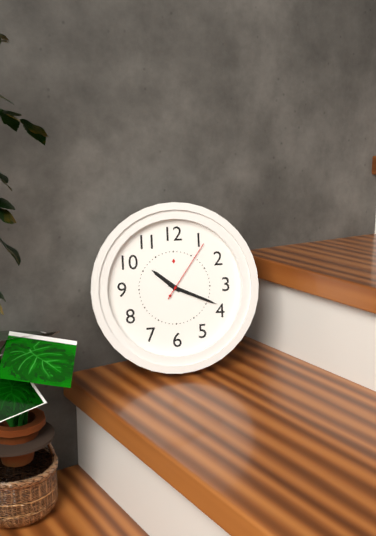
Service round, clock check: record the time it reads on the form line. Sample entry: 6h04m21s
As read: 10h19m06s
